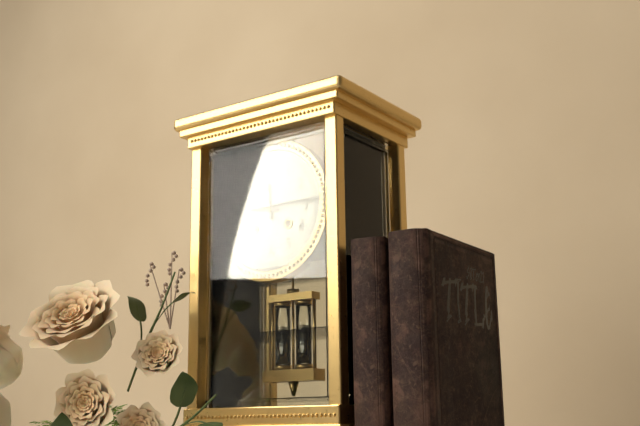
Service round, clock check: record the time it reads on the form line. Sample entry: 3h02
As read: 11h46
